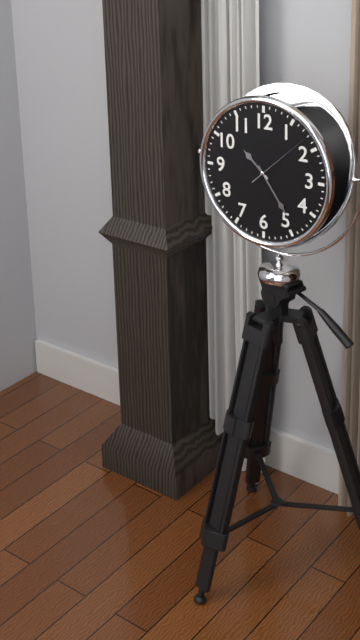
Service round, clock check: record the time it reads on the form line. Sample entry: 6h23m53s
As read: 10h24m08s
